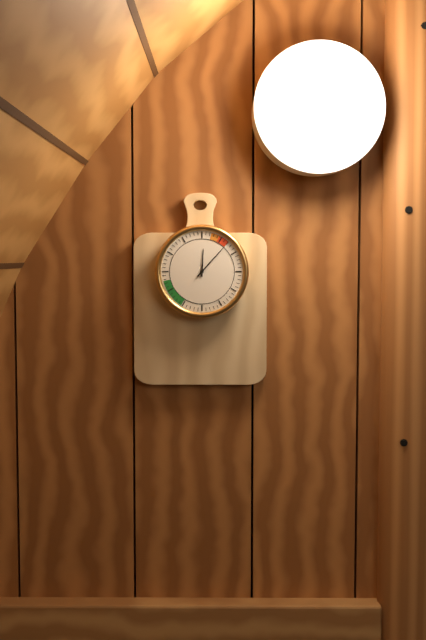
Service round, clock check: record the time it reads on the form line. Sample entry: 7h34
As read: 12h07
